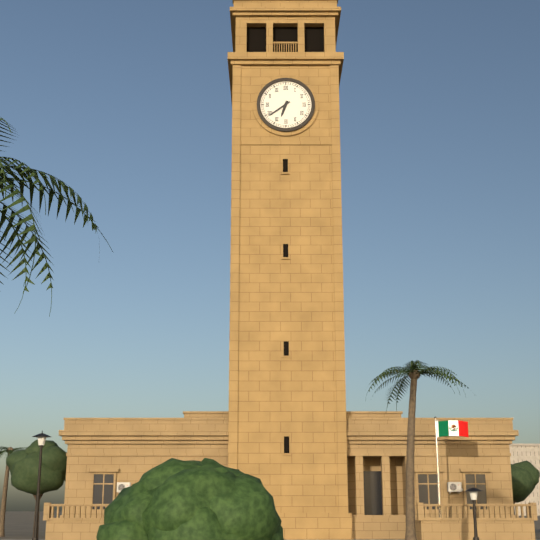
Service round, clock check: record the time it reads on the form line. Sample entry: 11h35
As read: 6h39
